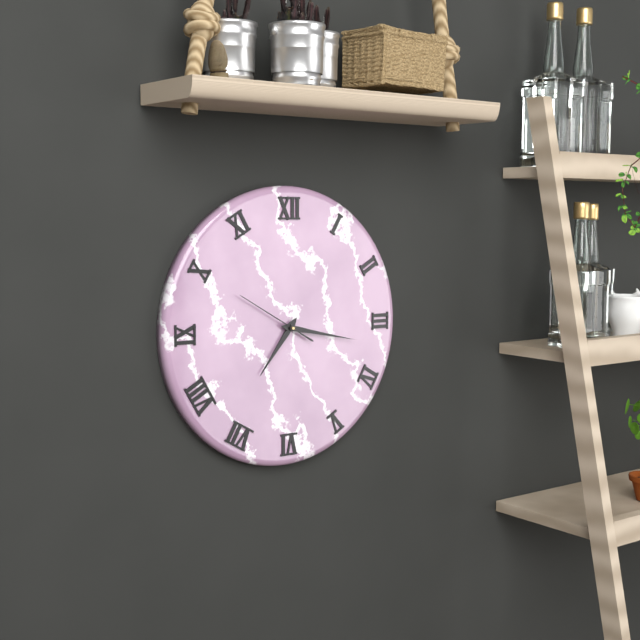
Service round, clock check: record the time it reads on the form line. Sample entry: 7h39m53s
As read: 7h17m50s
